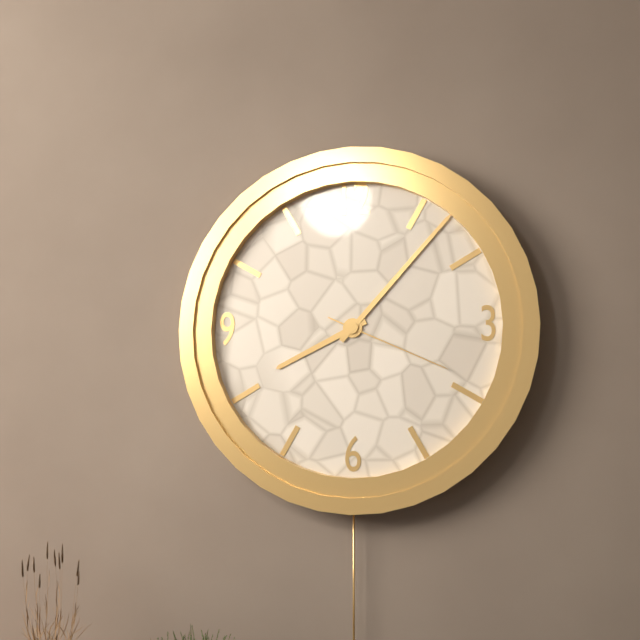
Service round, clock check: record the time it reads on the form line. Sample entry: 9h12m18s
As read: 8h07m19s
